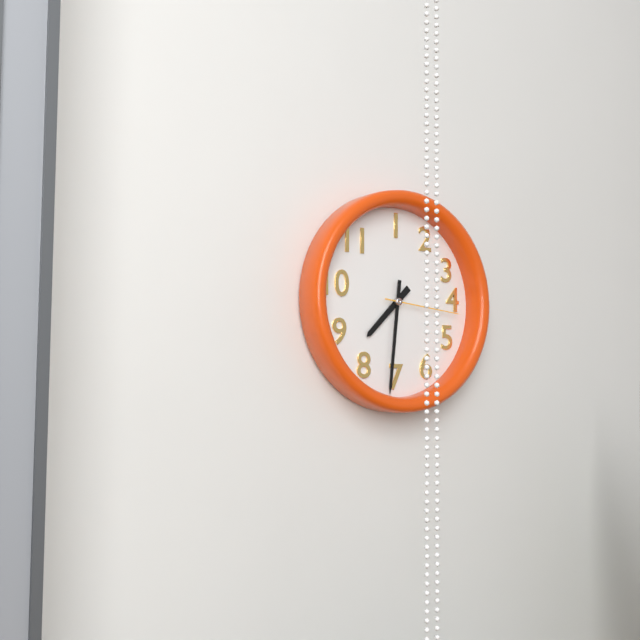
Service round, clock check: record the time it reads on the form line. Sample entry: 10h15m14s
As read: 7h31m16s
